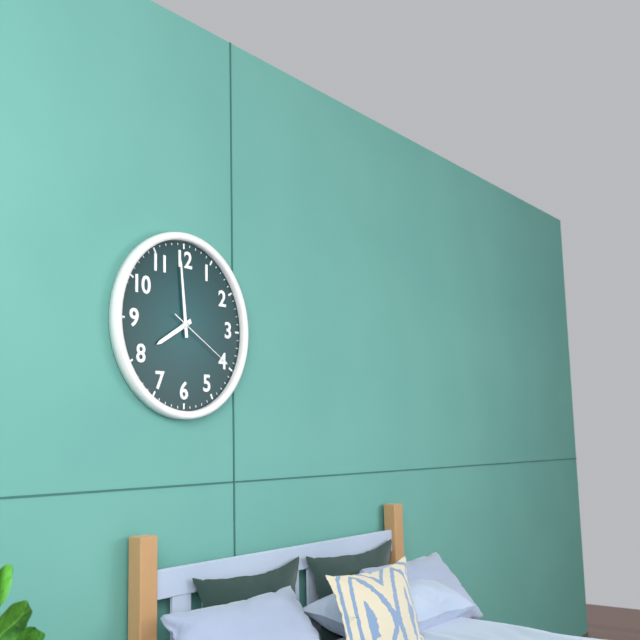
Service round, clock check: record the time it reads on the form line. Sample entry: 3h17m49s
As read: 7h59m20s
